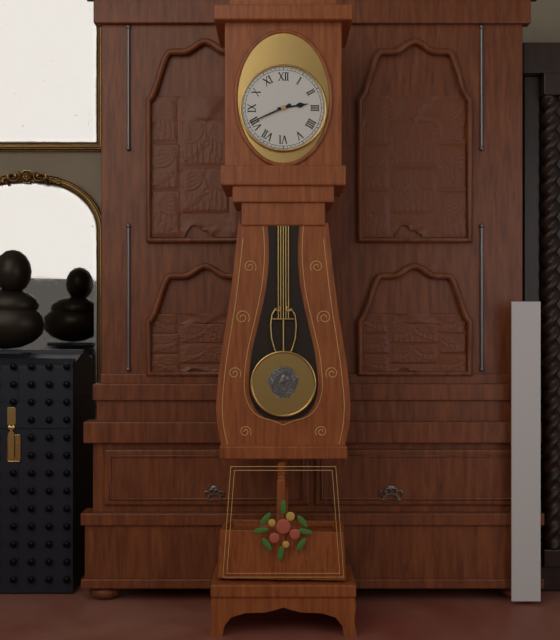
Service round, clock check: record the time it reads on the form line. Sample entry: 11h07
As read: 2h41
